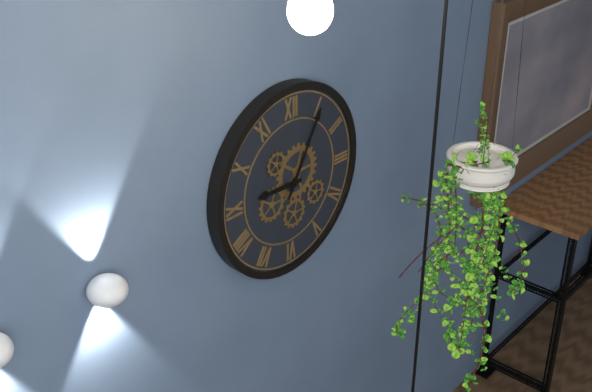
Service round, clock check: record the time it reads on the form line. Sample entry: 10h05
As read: 9h05
